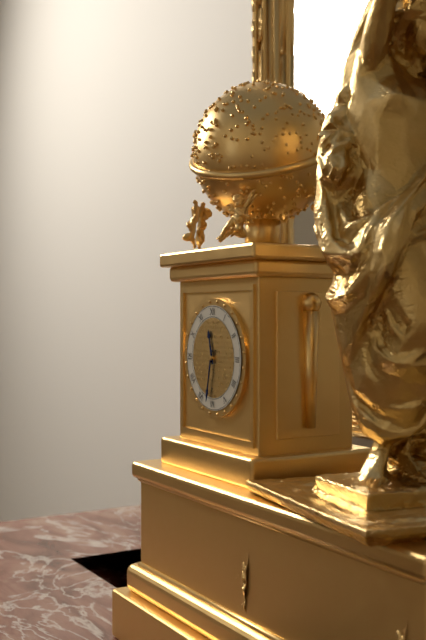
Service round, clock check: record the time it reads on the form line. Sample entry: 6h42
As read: 11h32
